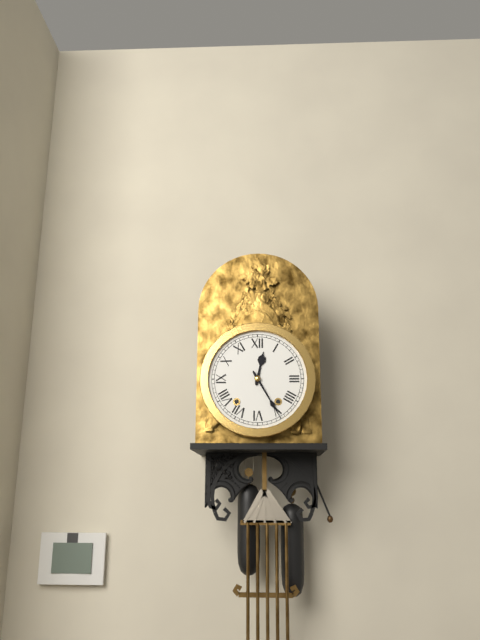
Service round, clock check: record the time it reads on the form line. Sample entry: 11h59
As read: 12h25
